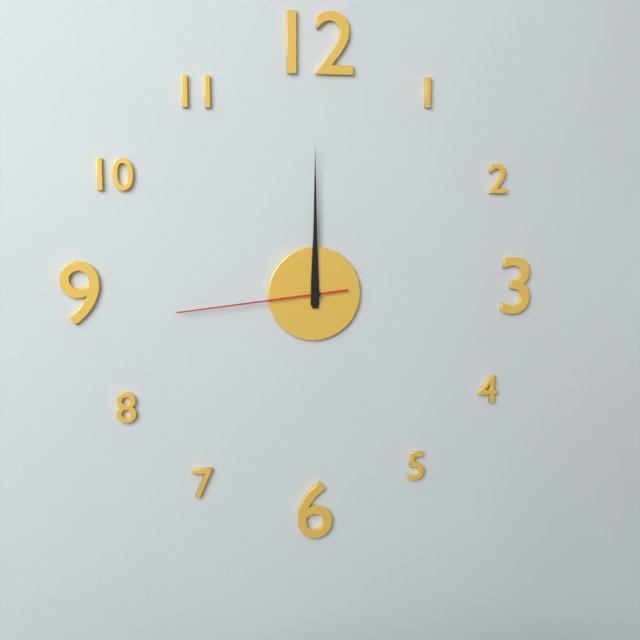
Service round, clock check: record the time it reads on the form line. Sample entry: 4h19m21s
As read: 12h00m44s
